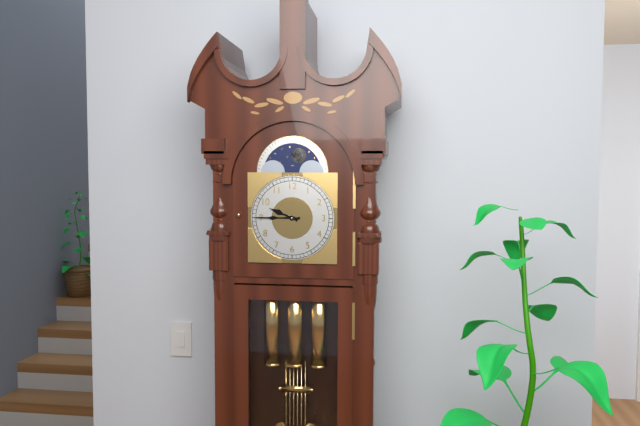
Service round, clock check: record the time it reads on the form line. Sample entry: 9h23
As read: 9h45
